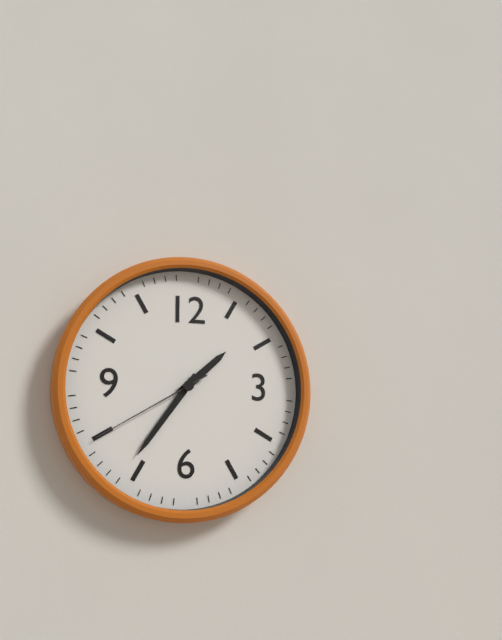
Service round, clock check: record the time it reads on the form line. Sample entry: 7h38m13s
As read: 1h36m40s
